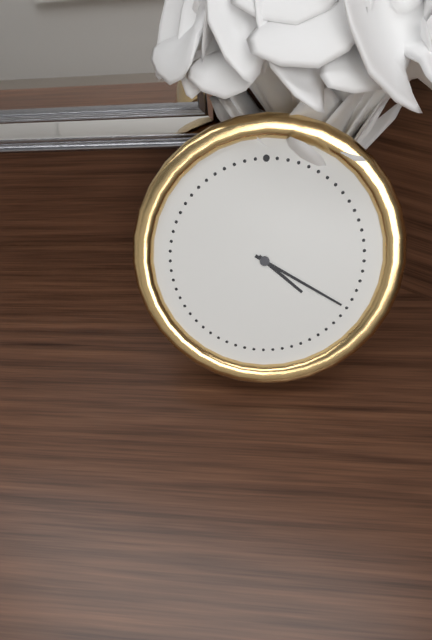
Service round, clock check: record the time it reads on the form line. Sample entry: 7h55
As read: 4h20
